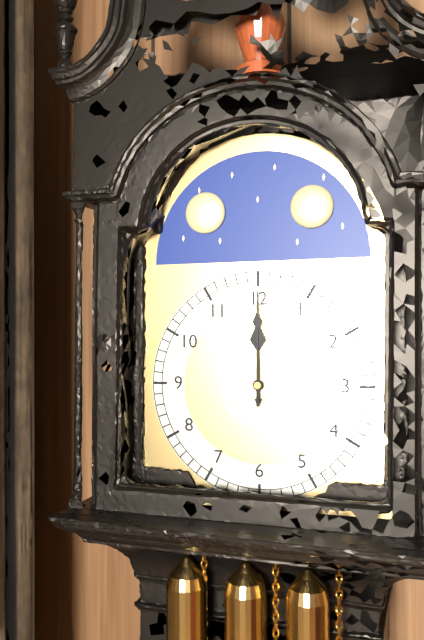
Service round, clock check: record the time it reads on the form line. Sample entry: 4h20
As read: 12h00
